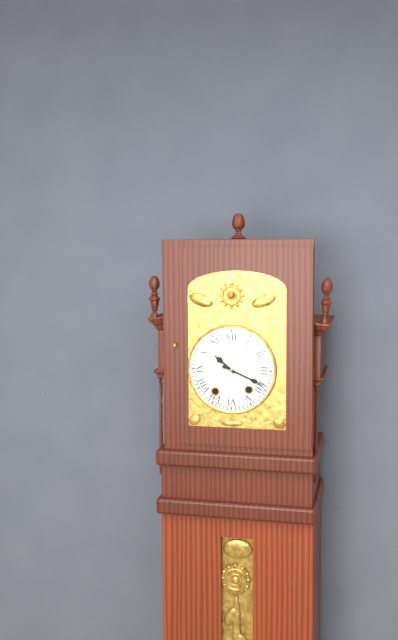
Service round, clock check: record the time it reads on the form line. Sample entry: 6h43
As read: 10h19
